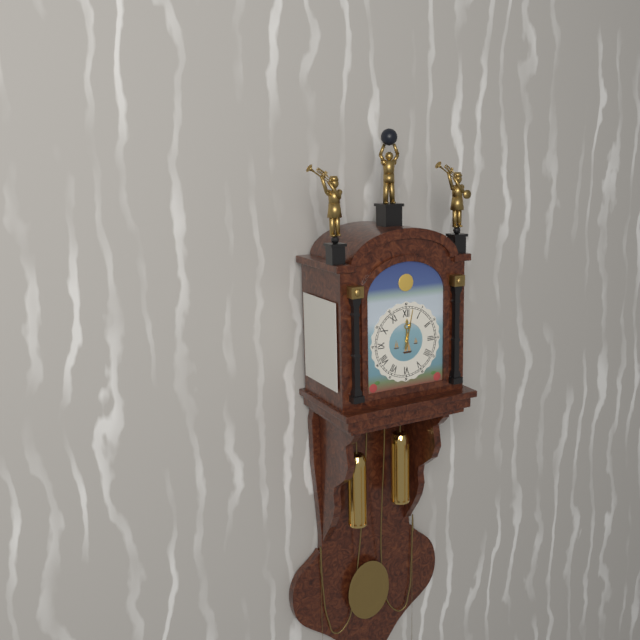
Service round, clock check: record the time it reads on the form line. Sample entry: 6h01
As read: 12h02
